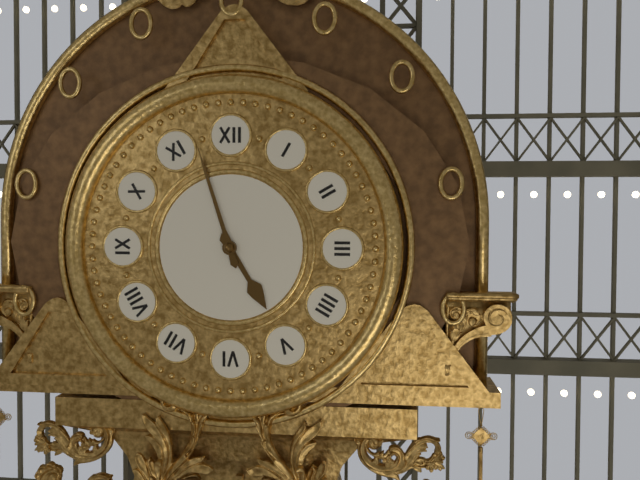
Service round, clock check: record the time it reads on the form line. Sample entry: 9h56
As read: 4h57
